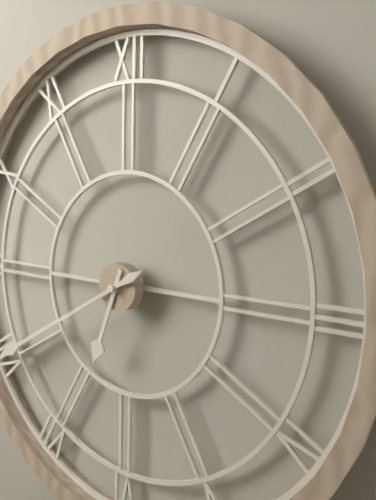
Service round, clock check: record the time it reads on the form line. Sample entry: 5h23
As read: 6h40
